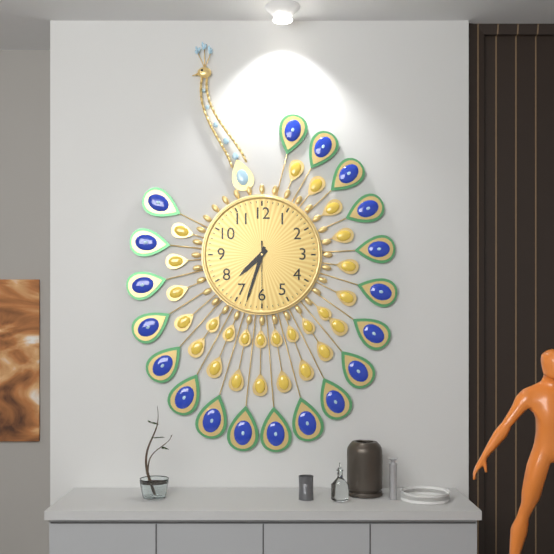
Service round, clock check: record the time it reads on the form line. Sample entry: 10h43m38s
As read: 7h33m30s
